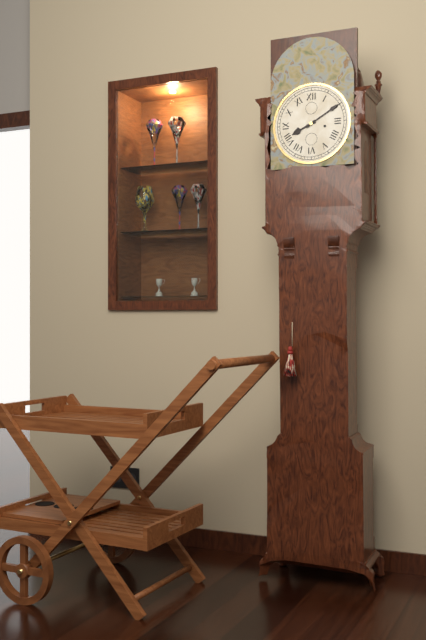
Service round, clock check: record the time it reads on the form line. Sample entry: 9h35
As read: 8h10
